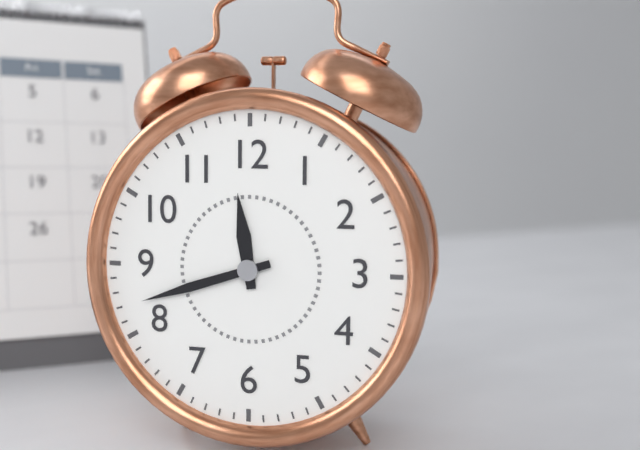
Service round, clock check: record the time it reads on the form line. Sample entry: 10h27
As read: 11h42
